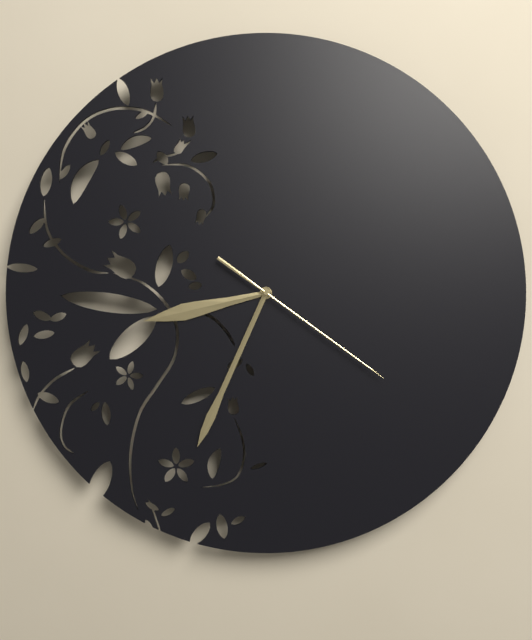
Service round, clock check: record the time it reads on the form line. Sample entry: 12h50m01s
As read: 8h34m21s
